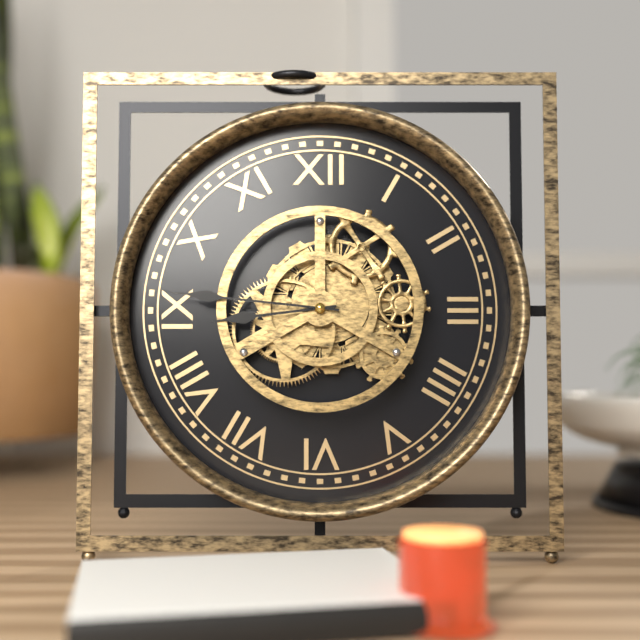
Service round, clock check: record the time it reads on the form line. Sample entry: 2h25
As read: 8h46
